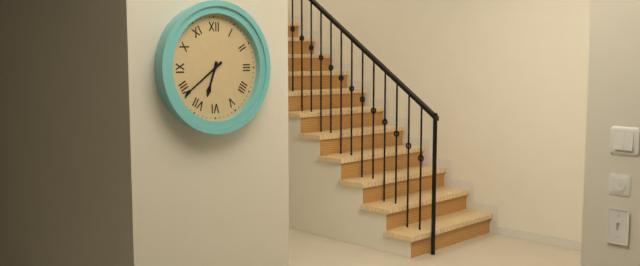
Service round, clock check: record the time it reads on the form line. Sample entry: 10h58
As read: 6h39
